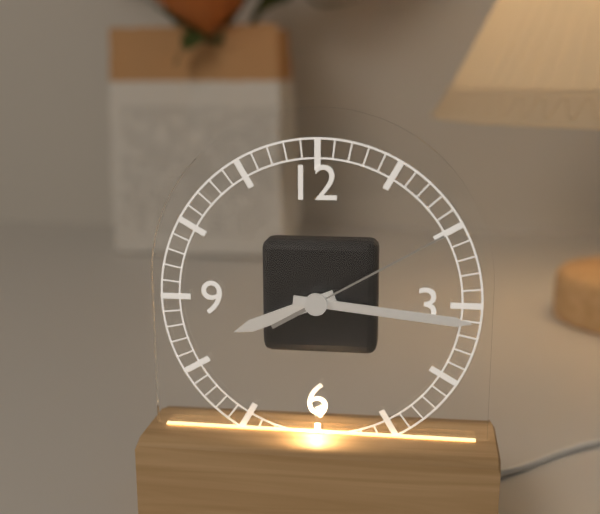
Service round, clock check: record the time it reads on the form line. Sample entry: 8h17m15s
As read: 8h16m10s
